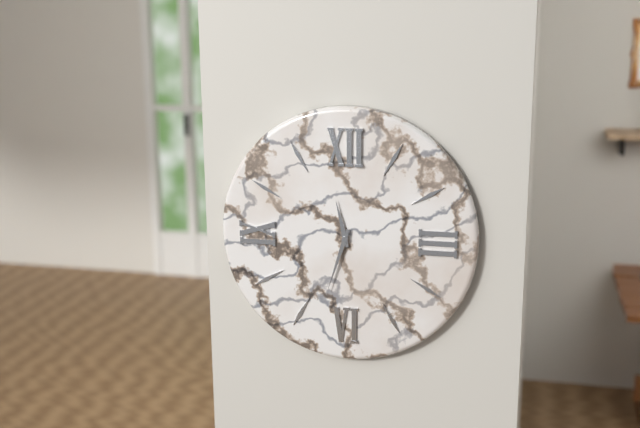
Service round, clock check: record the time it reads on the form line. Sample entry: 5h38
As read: 11h33
